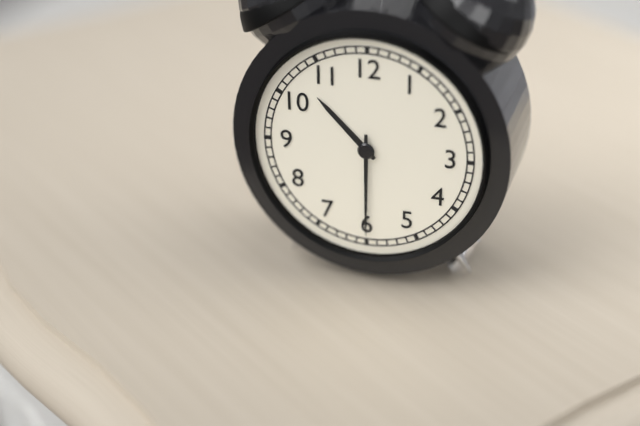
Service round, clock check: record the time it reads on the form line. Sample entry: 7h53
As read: 10h30
